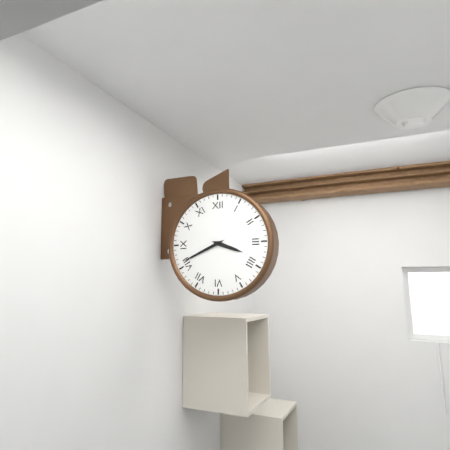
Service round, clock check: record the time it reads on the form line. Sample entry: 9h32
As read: 3h41
